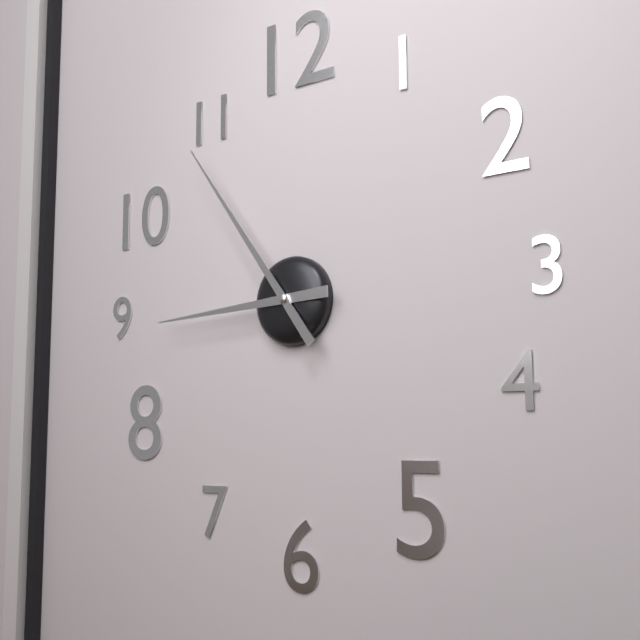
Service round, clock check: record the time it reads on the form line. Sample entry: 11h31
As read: 8h54
